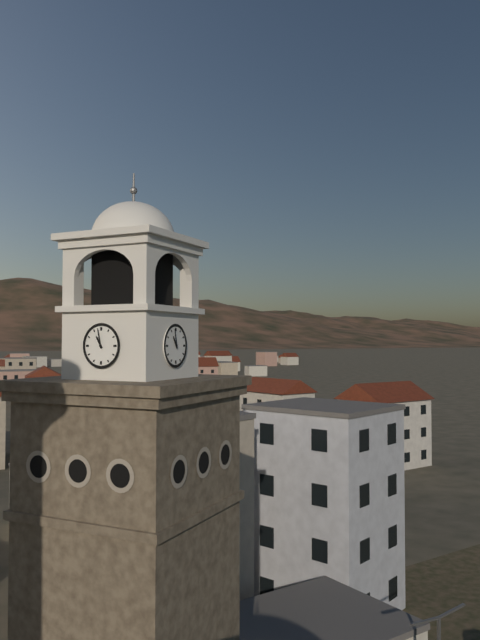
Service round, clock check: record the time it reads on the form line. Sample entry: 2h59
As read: 10h58
